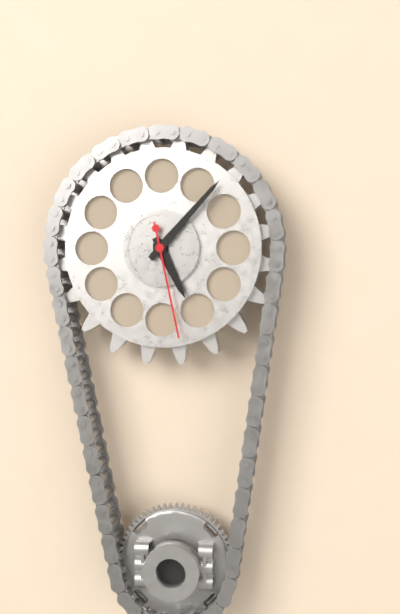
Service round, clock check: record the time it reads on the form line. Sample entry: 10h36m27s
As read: 5h07m28s
